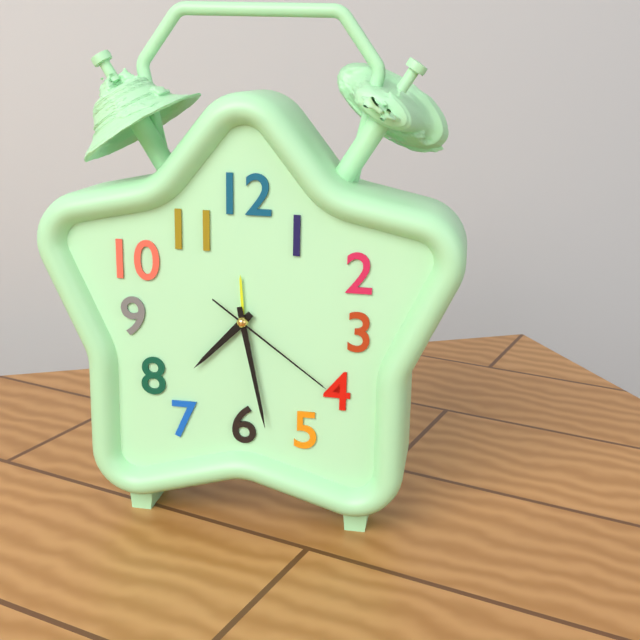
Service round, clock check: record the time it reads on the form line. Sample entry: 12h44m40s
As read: 7h28m21s
